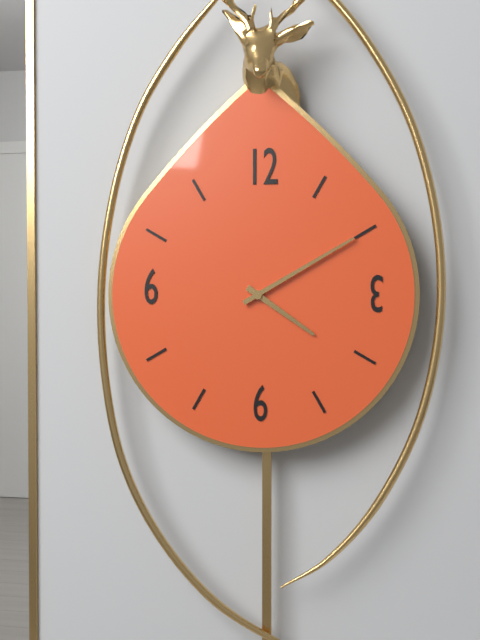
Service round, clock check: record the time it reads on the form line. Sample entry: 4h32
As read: 4h10
